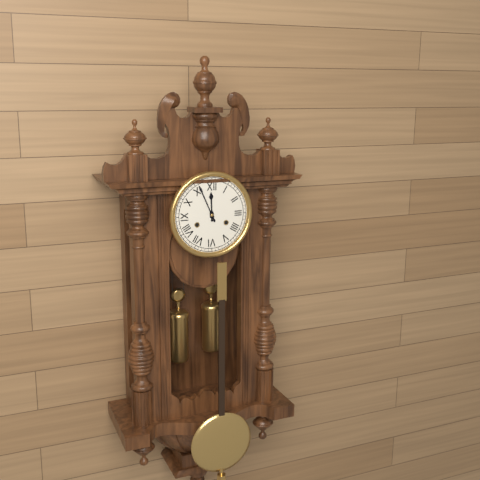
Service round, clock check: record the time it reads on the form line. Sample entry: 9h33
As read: 11h56
